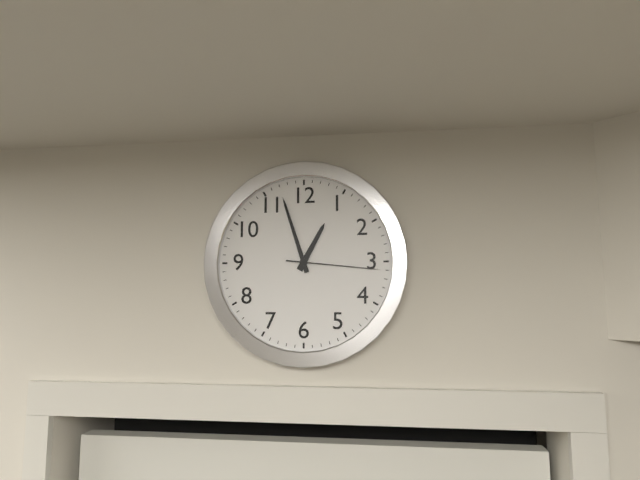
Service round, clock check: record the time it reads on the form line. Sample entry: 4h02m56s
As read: 12h57m16s
